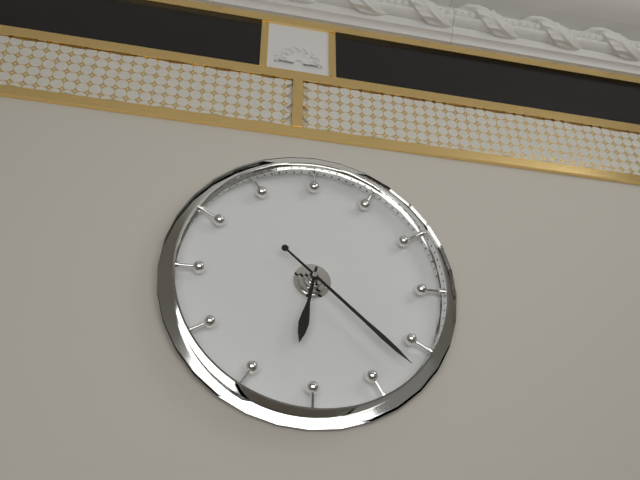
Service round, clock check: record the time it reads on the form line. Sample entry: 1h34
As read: 6h22
